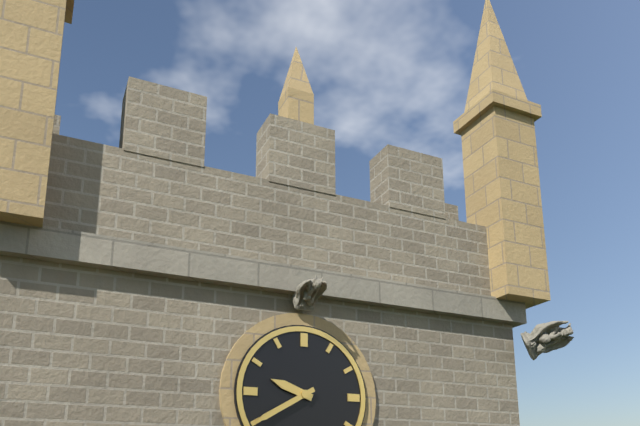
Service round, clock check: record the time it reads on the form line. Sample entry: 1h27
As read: 9h40
